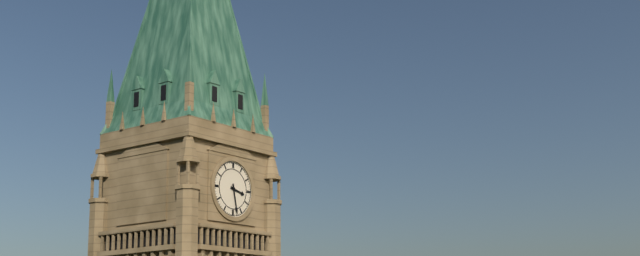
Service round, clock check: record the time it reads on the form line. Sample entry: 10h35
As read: 3h28
